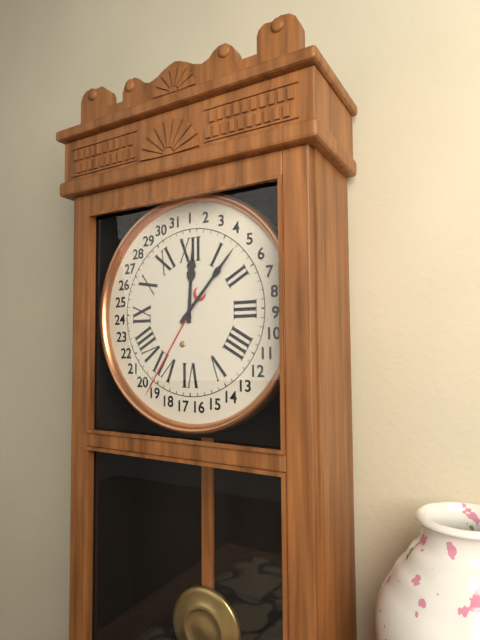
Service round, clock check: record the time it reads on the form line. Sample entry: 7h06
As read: 12h07
